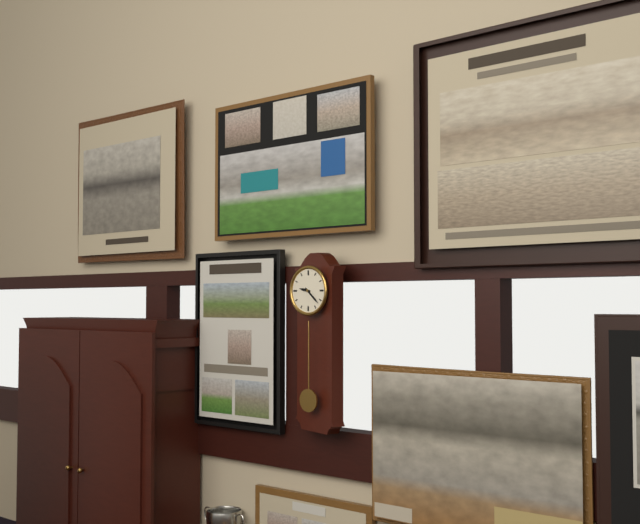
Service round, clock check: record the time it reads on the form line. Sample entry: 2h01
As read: 9h22
